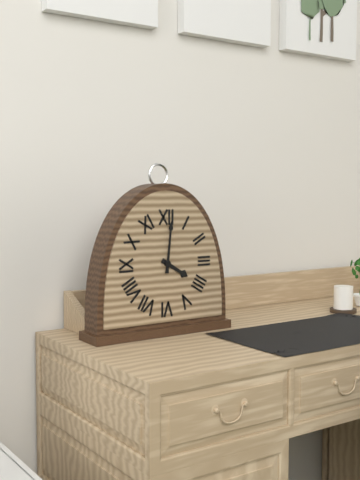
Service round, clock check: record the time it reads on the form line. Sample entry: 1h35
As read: 4h01
